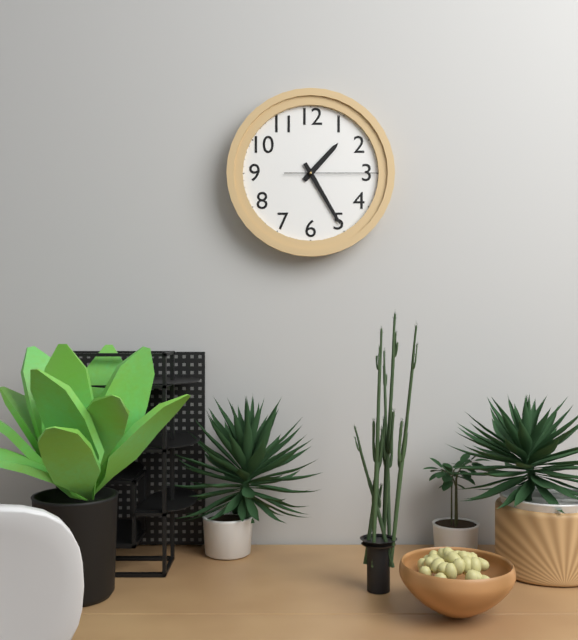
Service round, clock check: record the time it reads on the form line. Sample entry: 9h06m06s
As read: 1h25m15s
